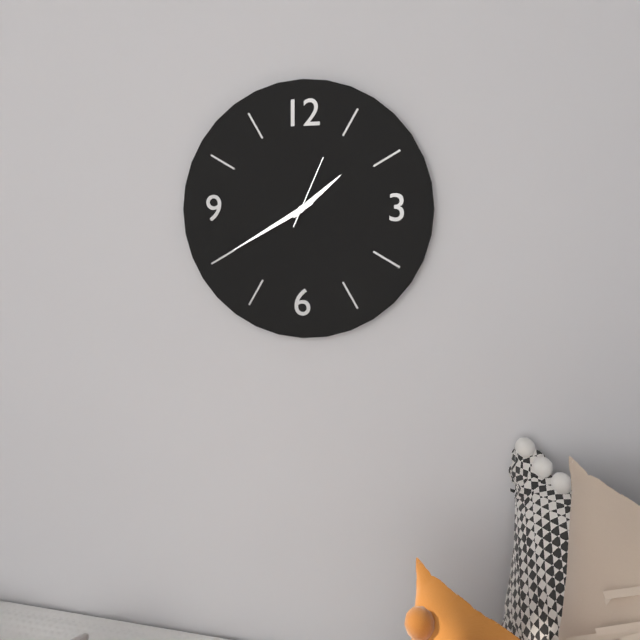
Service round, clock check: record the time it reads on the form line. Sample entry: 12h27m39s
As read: 1h40m04s
